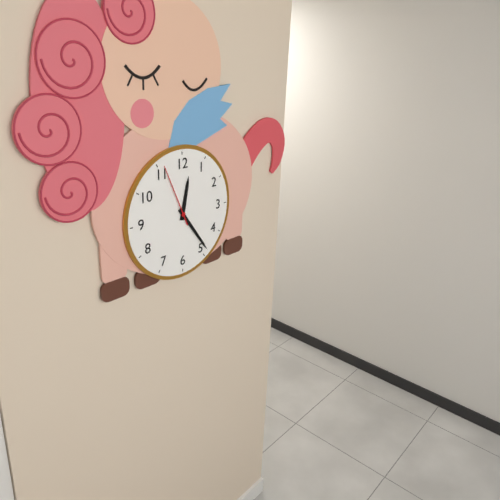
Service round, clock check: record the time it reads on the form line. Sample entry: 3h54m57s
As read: 12h24m56s
